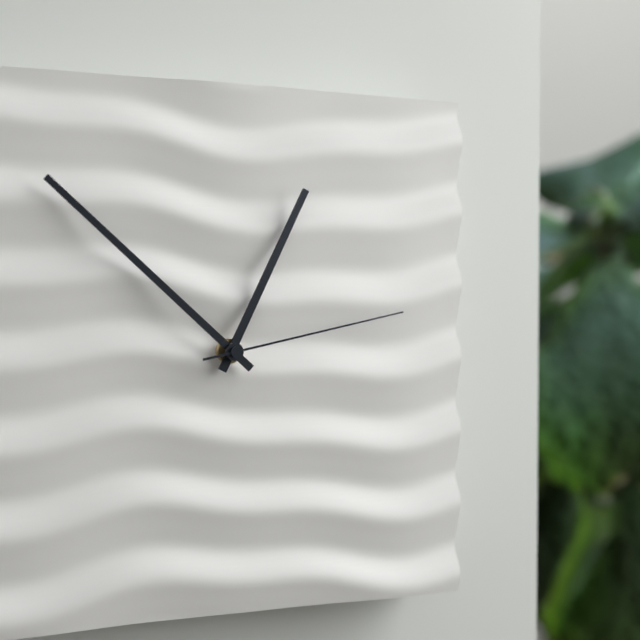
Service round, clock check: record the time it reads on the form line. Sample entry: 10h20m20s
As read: 12h52m13s
